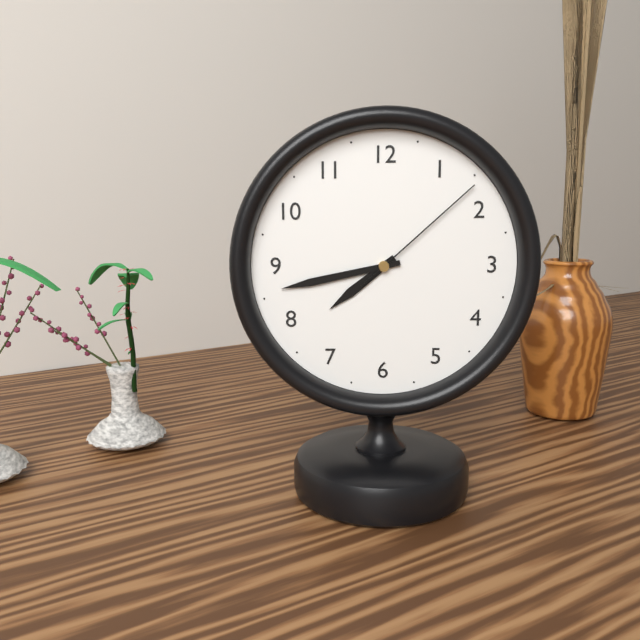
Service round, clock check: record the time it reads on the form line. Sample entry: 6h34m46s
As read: 7h43m08s
